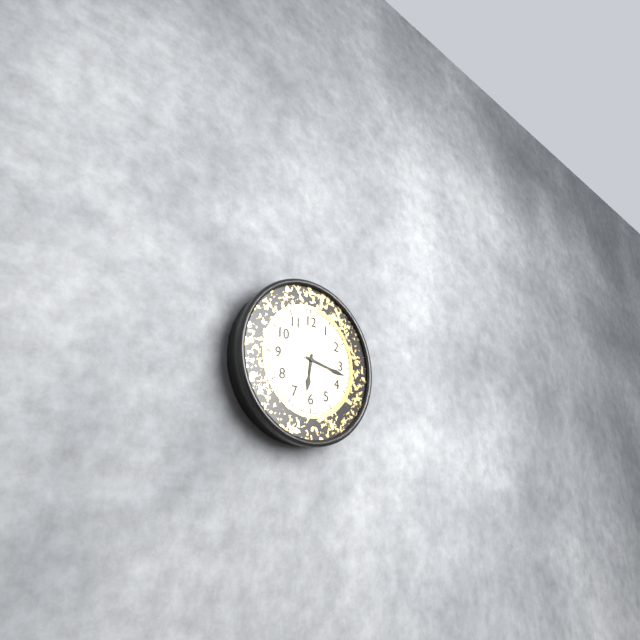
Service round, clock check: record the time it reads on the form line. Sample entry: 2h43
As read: 6h17
